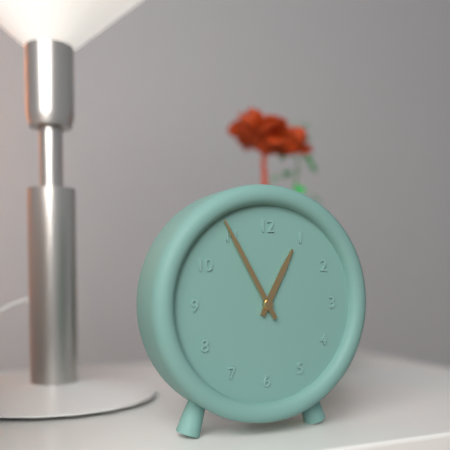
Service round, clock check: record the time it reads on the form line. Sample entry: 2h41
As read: 12h55
